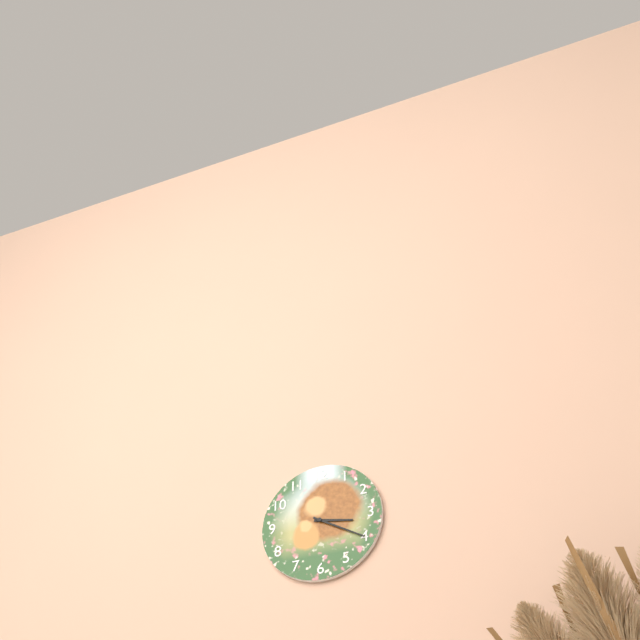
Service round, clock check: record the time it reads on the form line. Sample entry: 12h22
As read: 3h20
